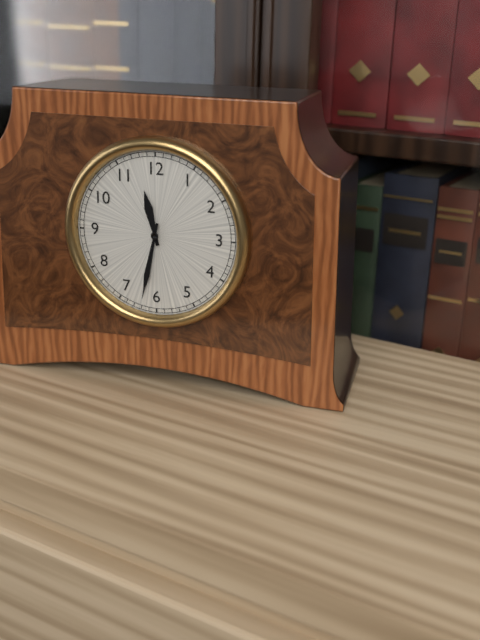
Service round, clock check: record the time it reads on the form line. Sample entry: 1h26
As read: 11h32
